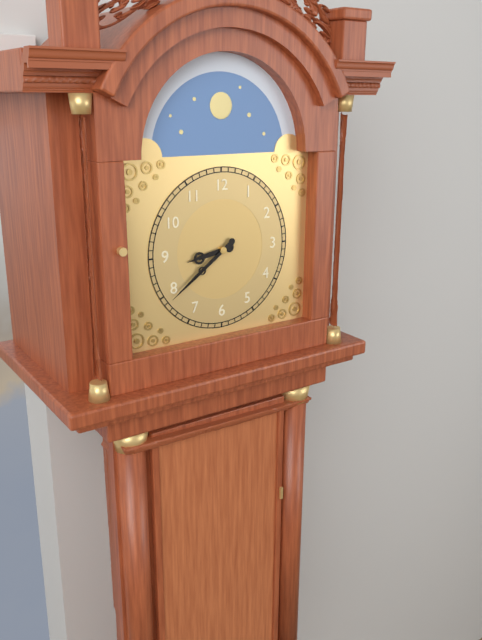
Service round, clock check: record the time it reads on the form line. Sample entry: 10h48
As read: 8h39
